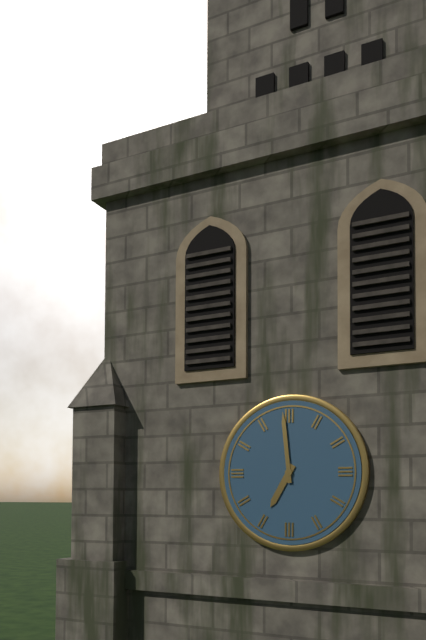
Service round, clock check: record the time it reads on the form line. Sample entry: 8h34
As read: 6h59
